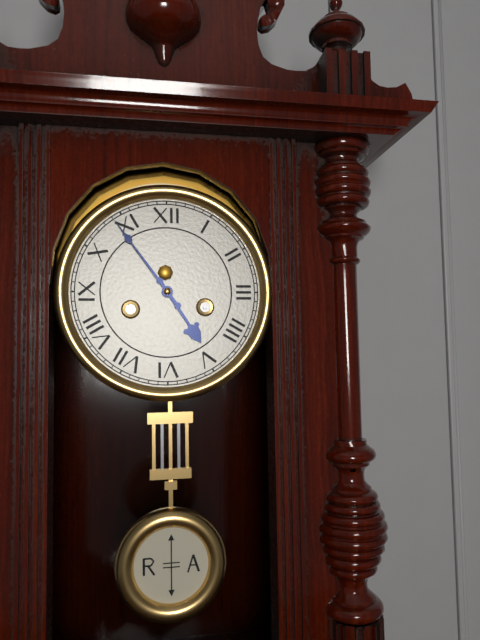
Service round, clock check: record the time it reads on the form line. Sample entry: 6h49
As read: 4h54
